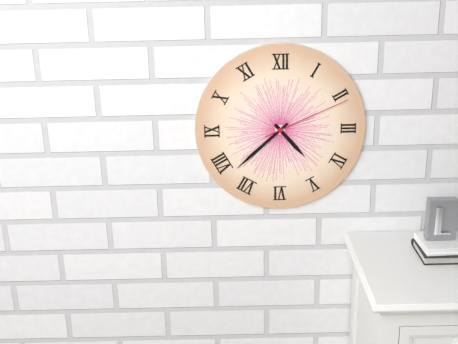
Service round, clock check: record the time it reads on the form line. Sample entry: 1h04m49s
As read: 4h38m11s
